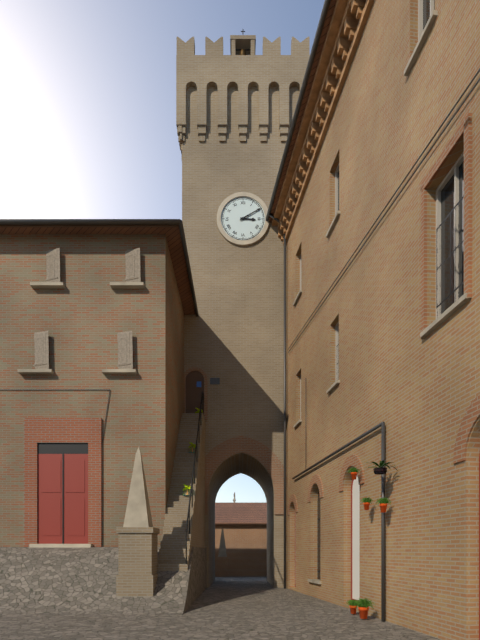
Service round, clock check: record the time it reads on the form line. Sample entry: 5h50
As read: 3h10
